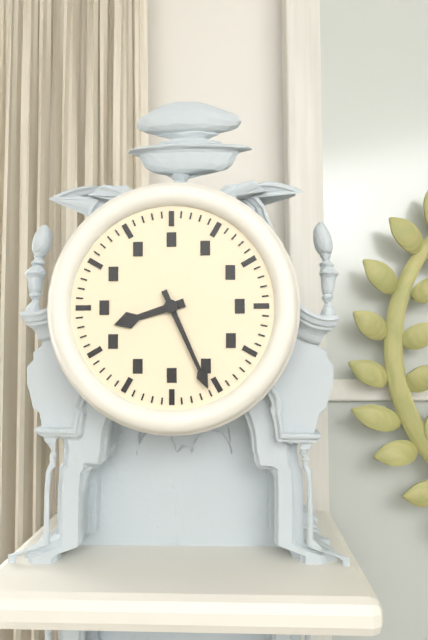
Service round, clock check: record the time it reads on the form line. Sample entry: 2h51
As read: 8h26
